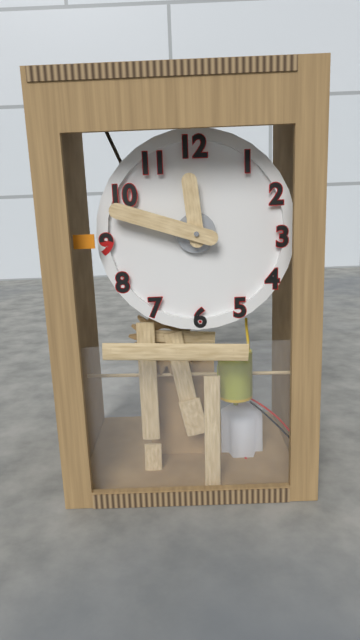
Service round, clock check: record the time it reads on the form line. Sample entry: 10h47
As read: 11h48
